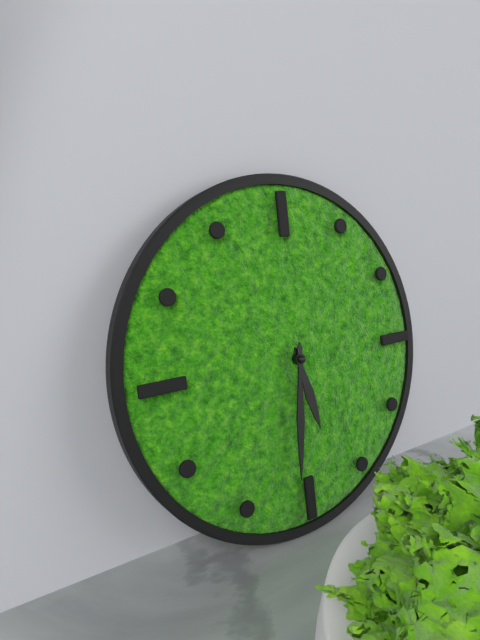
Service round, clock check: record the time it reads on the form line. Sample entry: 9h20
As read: 5h31
